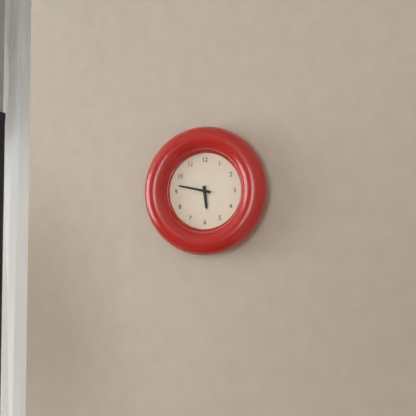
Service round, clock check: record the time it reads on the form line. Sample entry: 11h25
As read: 5h47
